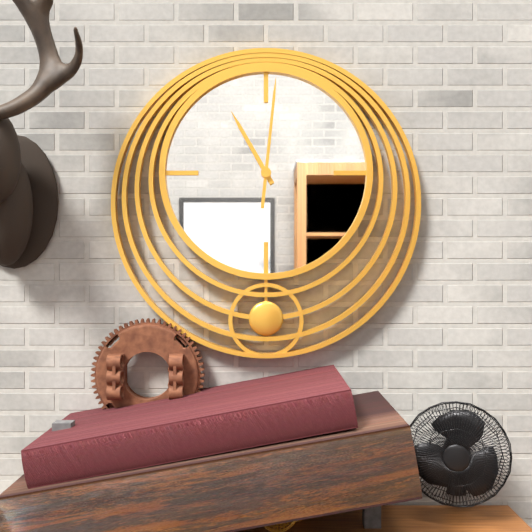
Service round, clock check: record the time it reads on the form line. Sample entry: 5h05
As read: 11h01
